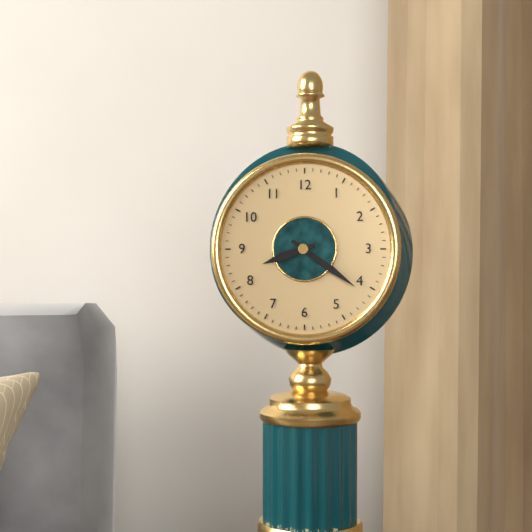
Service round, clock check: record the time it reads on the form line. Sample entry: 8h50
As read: 8h21
